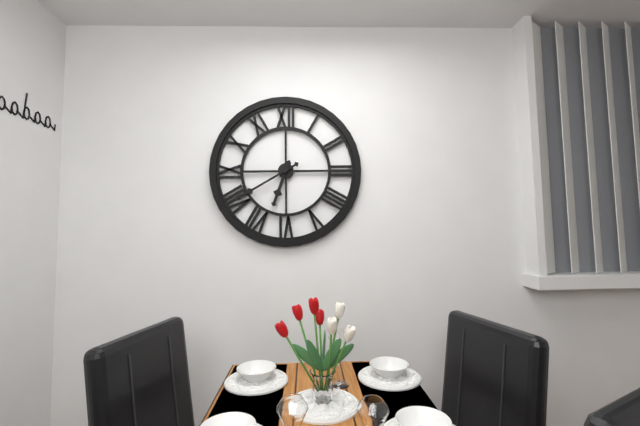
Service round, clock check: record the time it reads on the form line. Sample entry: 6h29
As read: 6h40
